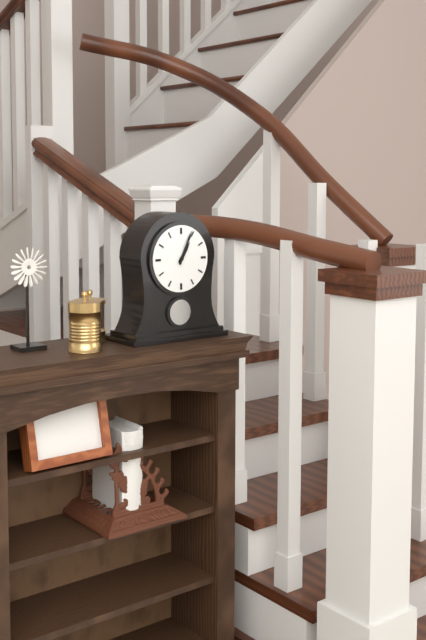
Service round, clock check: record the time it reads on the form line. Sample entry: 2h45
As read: 1h04
